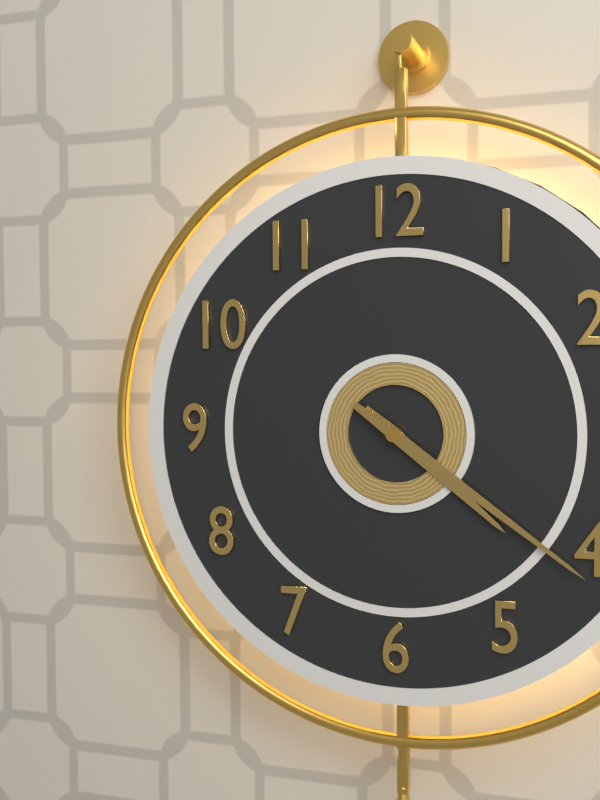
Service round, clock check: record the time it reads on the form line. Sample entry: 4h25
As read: 4h21
